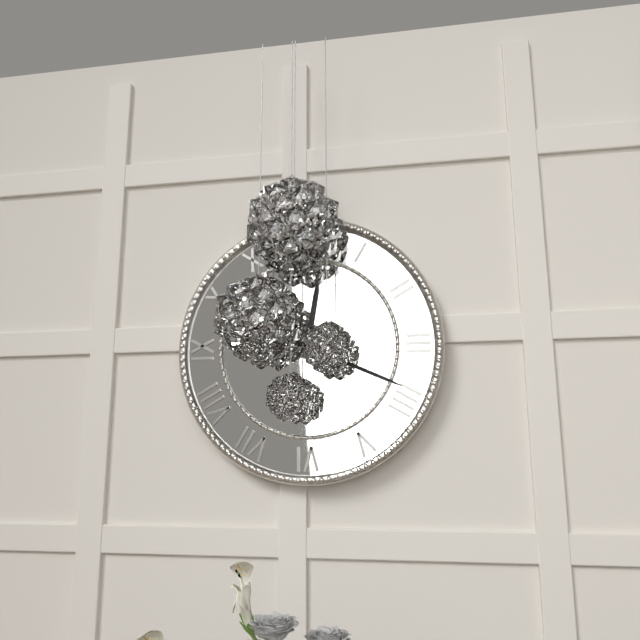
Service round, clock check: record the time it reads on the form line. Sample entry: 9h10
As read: 12h19
